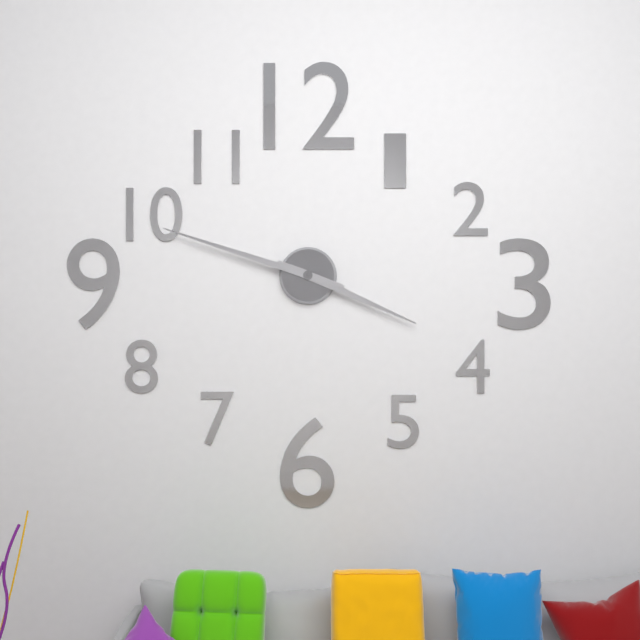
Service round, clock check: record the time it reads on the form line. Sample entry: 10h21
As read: 3h48
